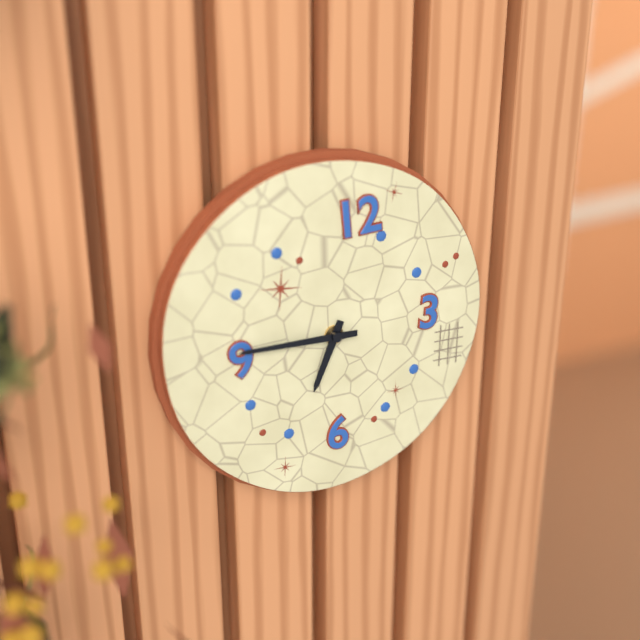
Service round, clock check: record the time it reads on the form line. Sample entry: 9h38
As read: 6h45
